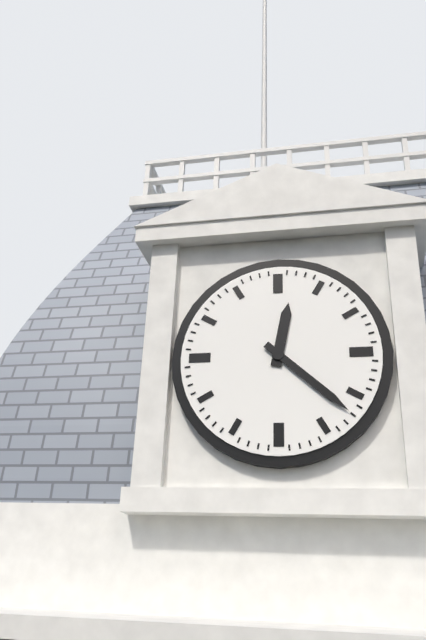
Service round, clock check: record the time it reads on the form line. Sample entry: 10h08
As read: 12h22
